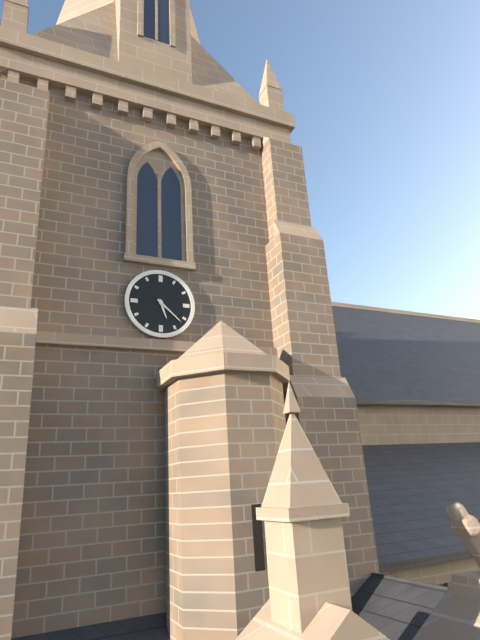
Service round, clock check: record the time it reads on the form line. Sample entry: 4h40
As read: 5h22
